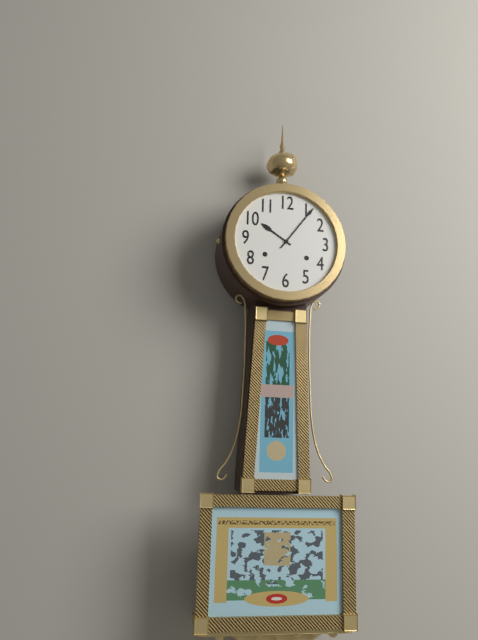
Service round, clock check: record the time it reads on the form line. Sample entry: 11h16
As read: 10h06
